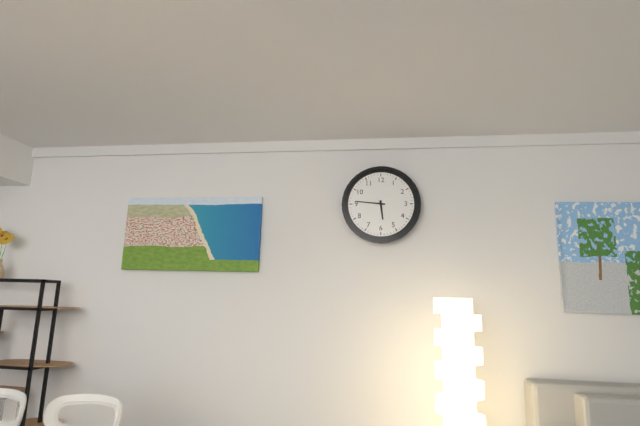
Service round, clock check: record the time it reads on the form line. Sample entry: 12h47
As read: 5h46
